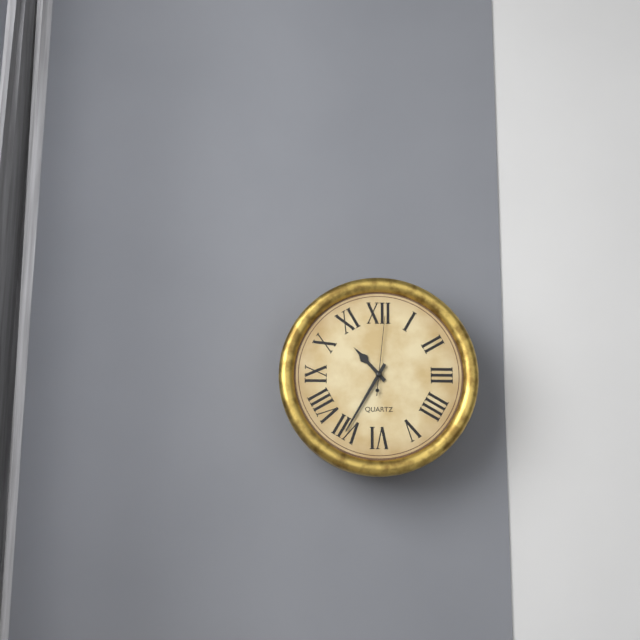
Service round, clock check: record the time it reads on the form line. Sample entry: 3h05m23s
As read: 10h35m01s
